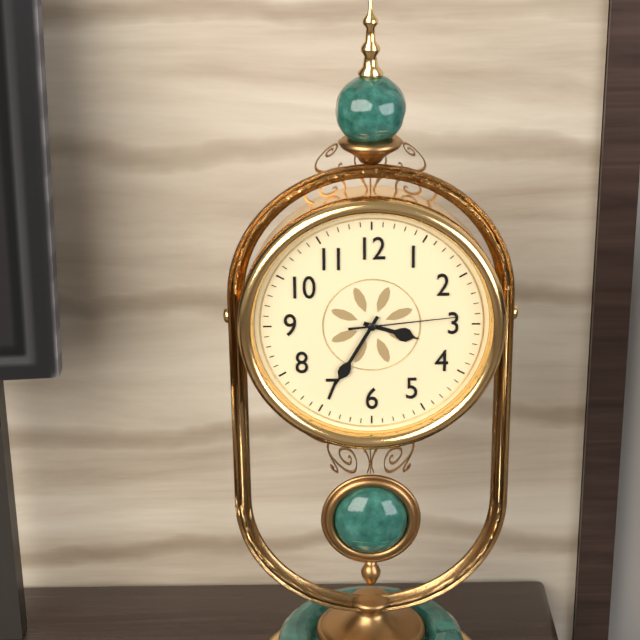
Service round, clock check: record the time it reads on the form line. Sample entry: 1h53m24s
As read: 3h35m14s
